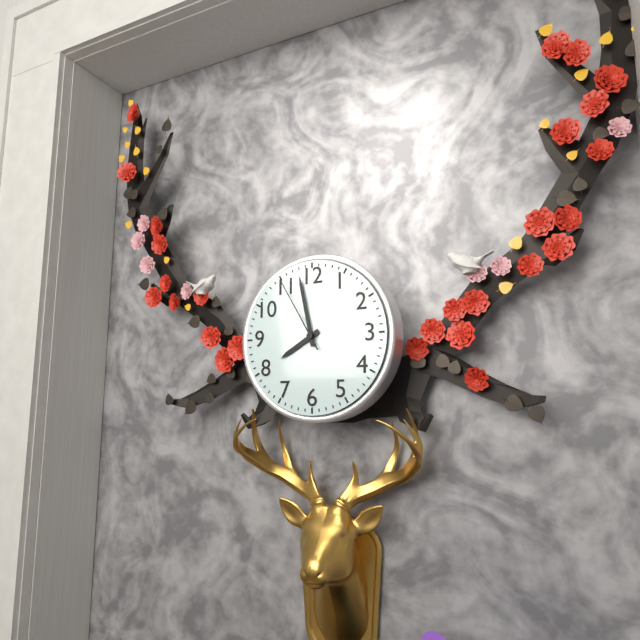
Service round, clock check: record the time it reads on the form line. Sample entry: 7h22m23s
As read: 7h58m55s
